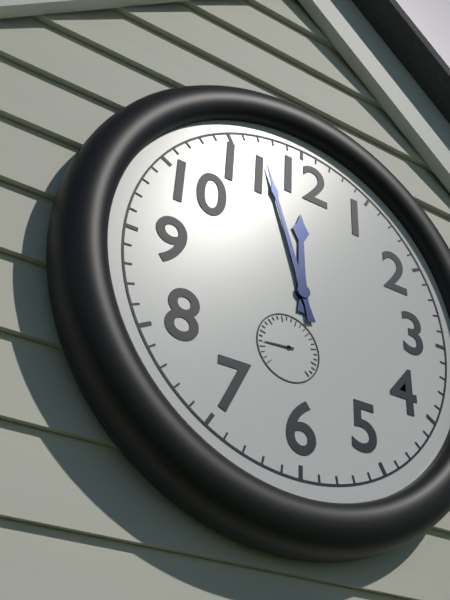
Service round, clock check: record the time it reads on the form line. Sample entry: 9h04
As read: 11h57
